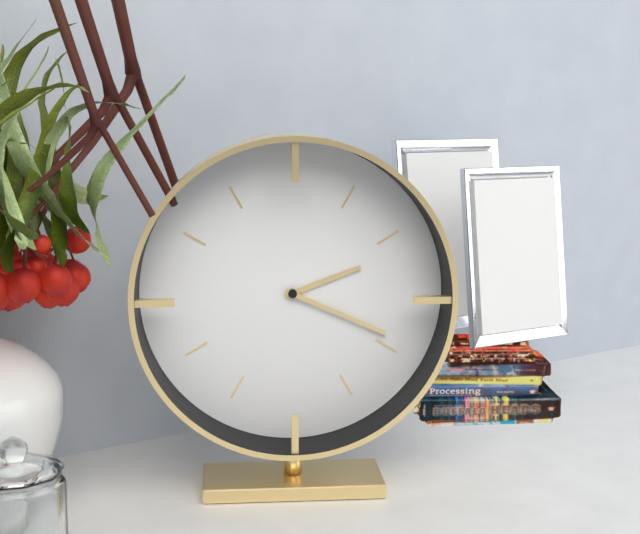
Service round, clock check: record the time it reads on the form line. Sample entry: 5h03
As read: 2h19
